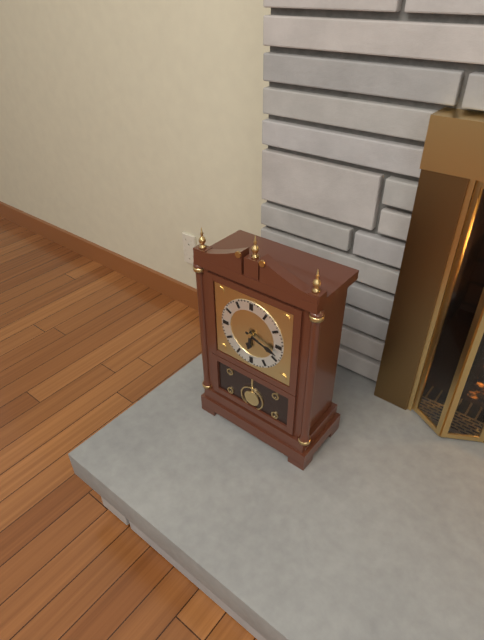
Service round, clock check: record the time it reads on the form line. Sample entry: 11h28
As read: 6h18
